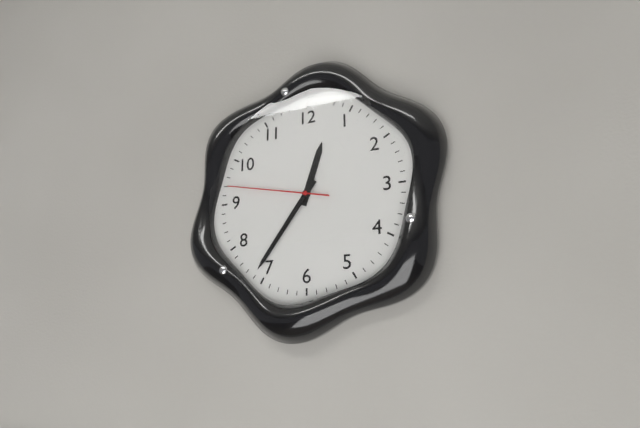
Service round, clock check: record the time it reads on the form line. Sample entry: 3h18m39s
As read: 12h36m47s
